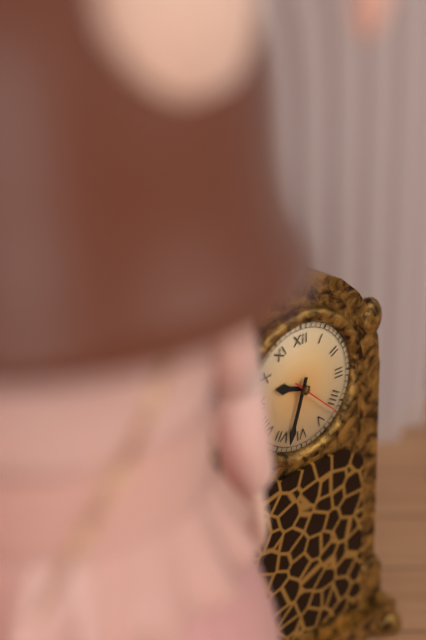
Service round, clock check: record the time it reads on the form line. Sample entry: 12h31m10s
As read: 9h33m22s
